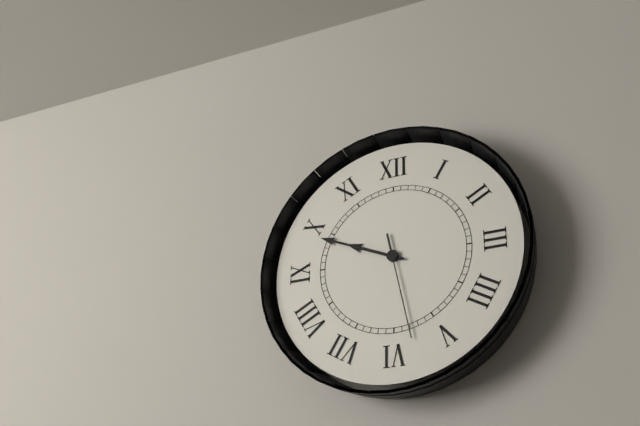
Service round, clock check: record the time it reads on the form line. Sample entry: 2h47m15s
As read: 9h49m28s
